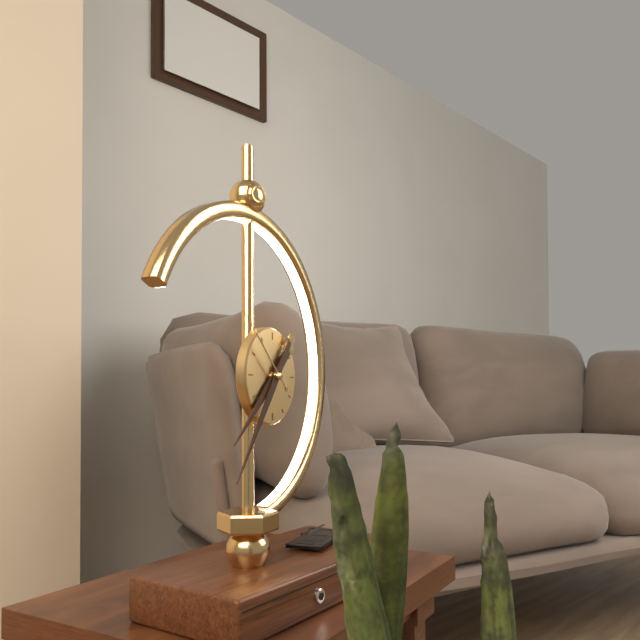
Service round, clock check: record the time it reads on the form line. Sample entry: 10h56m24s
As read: 7h36m52s
